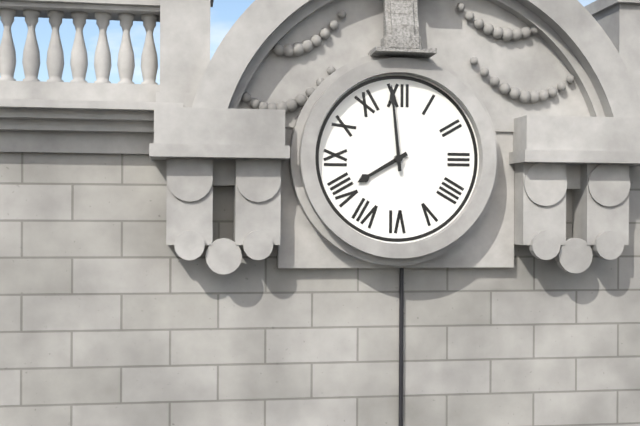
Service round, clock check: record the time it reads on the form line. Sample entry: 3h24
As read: 7h59
